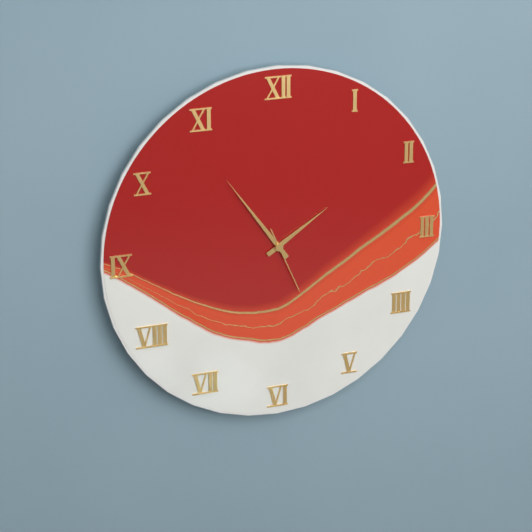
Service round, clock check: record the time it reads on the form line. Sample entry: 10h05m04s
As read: 1h54m26s
